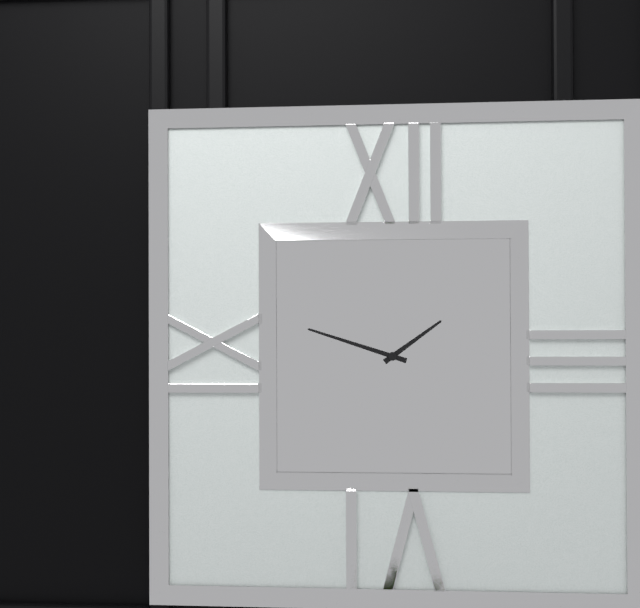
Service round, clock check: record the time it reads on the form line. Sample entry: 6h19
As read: 1h48
